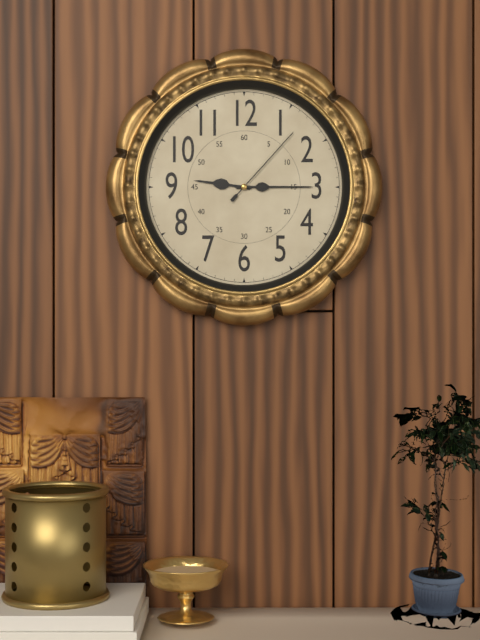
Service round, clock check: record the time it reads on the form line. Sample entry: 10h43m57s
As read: 9h15m07s
